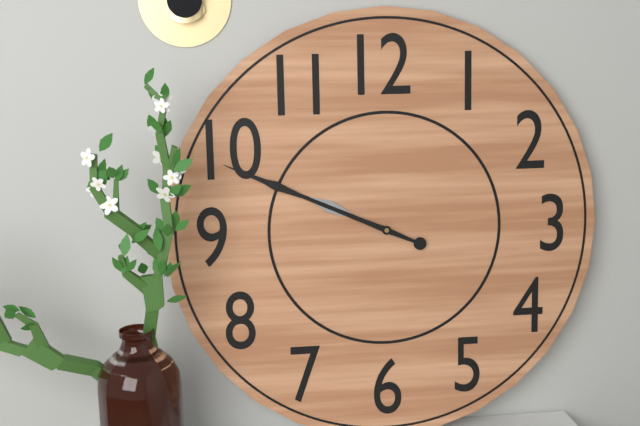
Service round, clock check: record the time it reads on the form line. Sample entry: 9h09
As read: 9h49
